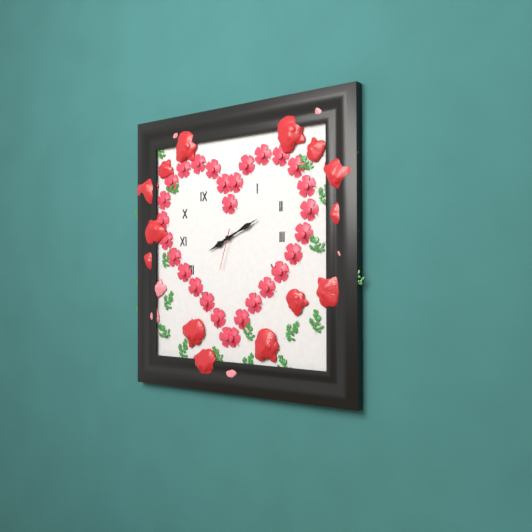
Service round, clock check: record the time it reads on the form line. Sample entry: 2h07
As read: 8h11
